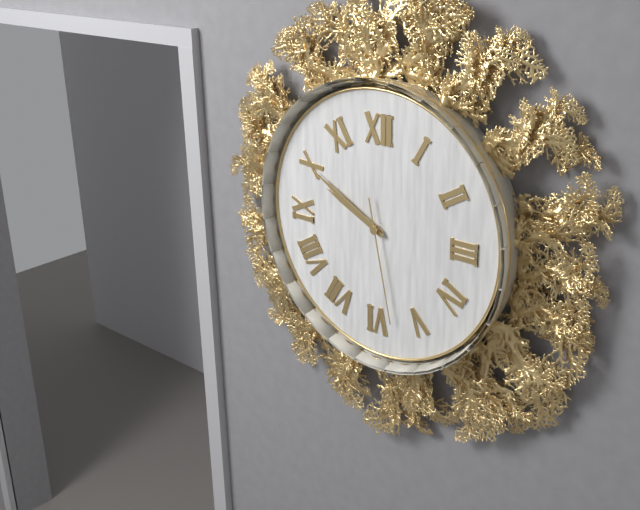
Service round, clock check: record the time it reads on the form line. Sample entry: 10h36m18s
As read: 9h50m28s
